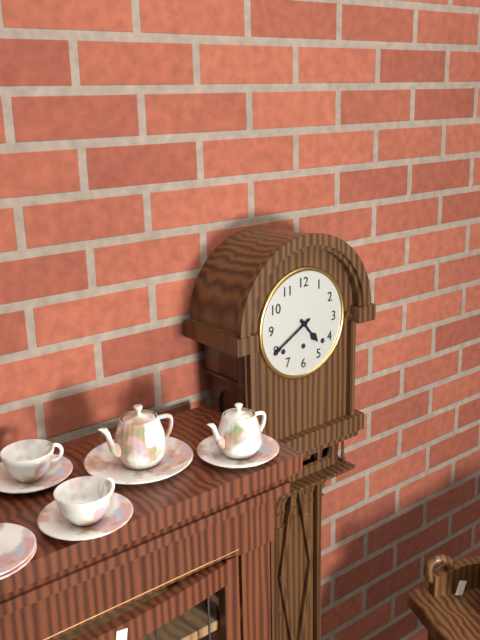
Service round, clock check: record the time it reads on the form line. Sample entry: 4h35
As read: 4h40
